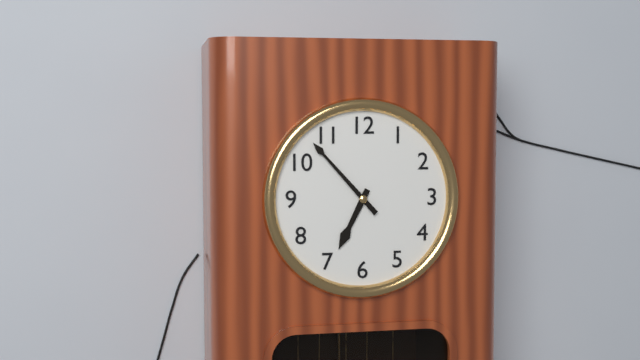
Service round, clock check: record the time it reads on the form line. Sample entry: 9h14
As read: 6h53
